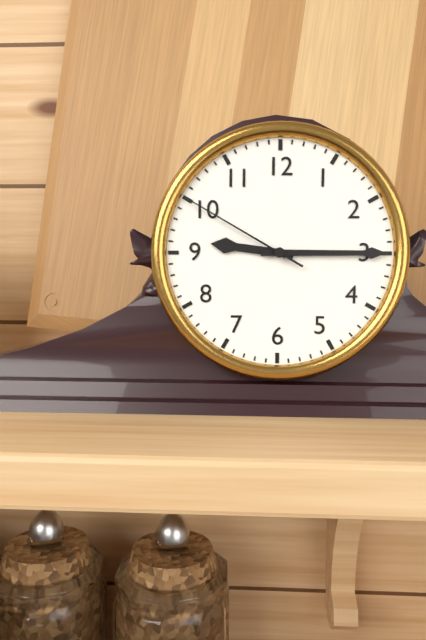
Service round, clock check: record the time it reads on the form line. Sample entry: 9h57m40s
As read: 9h15m50s
